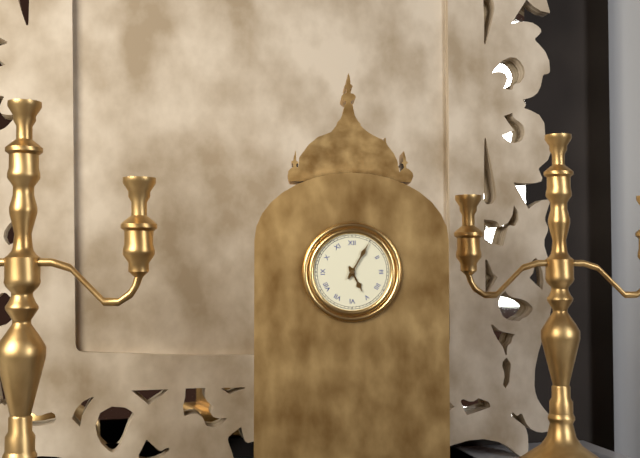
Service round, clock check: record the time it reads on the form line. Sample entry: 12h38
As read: 5h05
